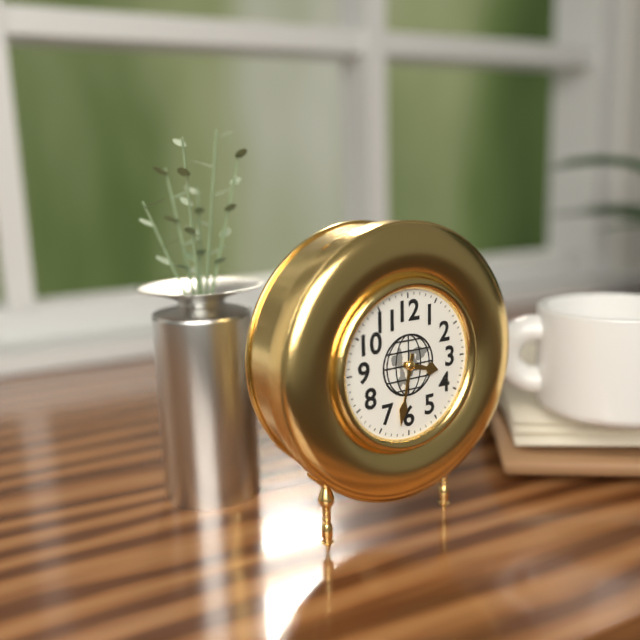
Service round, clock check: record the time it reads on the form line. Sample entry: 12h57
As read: 3h32
